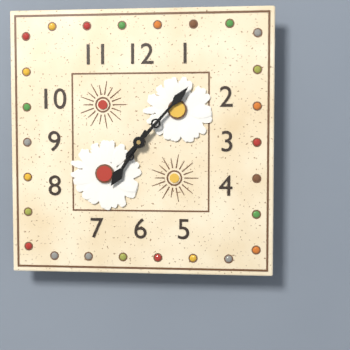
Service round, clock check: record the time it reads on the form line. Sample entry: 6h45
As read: 7h07
